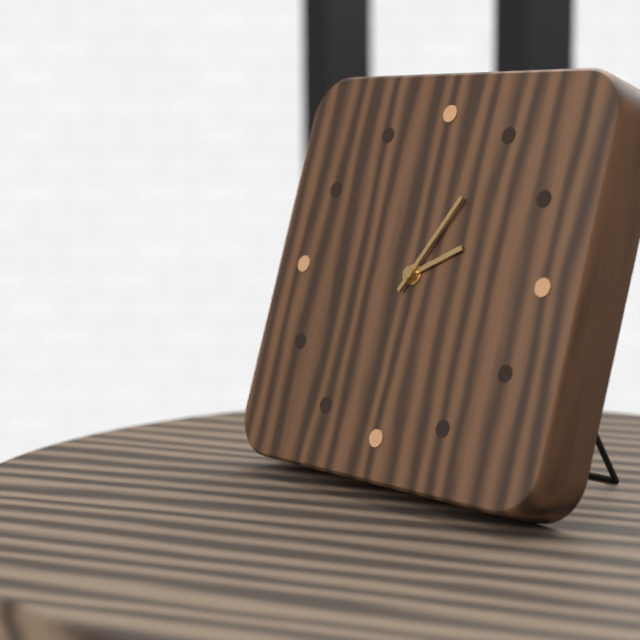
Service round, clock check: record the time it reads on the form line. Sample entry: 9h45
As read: 2h05
